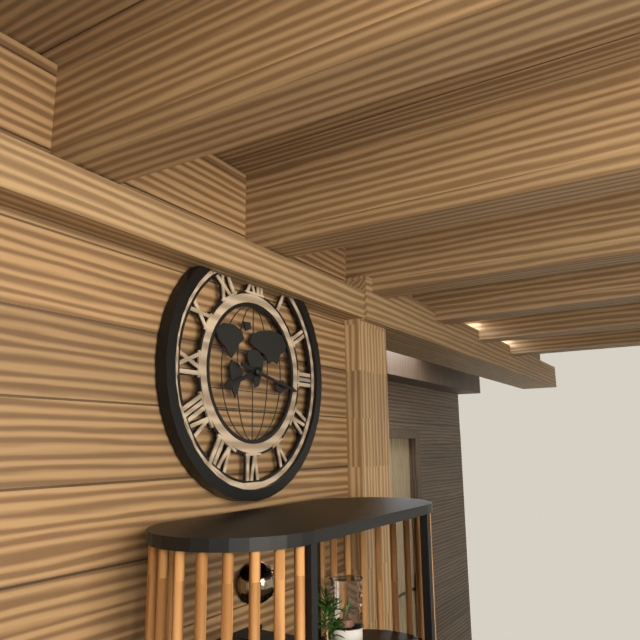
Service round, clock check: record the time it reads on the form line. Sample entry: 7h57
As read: 8h17
